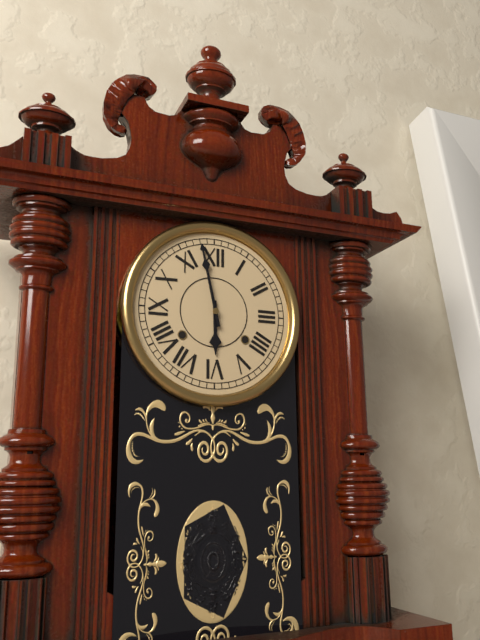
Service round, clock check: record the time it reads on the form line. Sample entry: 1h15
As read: 5h58
